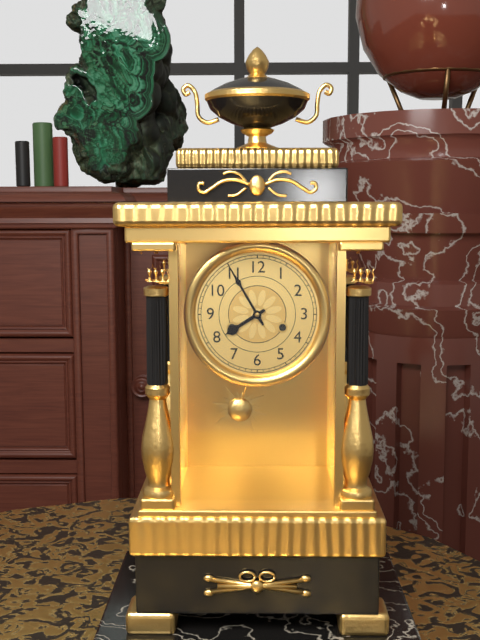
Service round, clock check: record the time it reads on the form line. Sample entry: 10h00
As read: 7h55
